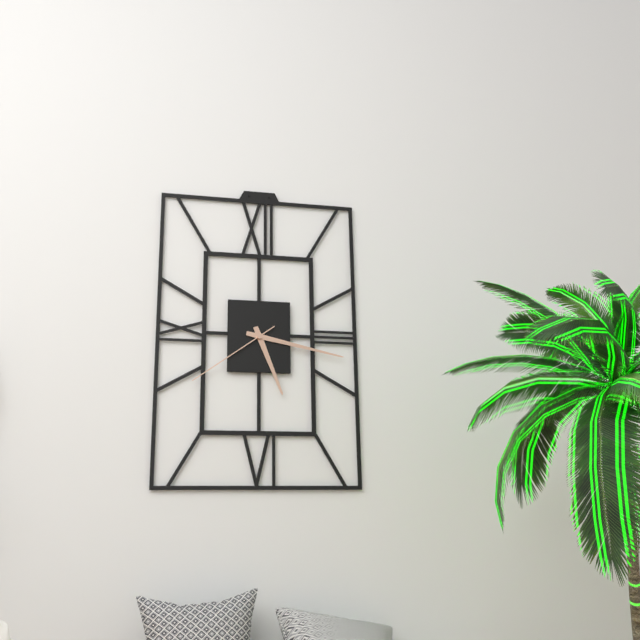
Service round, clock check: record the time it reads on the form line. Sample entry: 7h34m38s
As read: 5h17m39s
